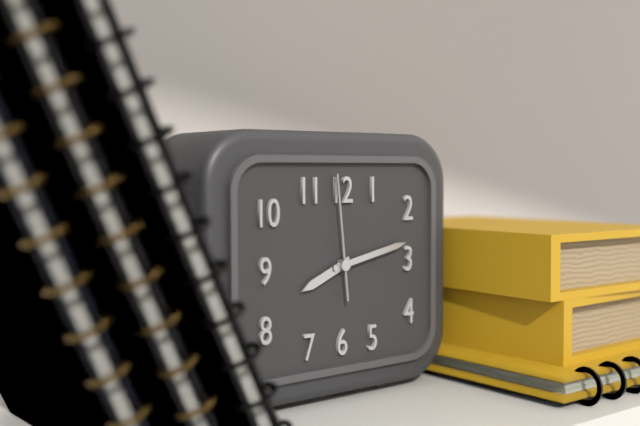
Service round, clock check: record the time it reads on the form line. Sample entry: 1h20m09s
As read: 8h13m59s
